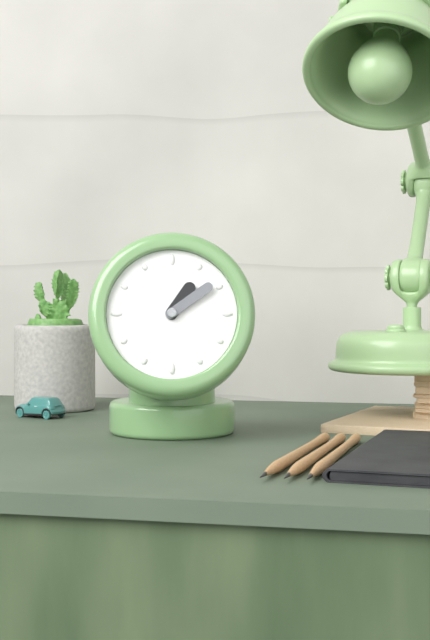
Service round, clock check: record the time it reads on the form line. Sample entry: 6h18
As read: 1h09
